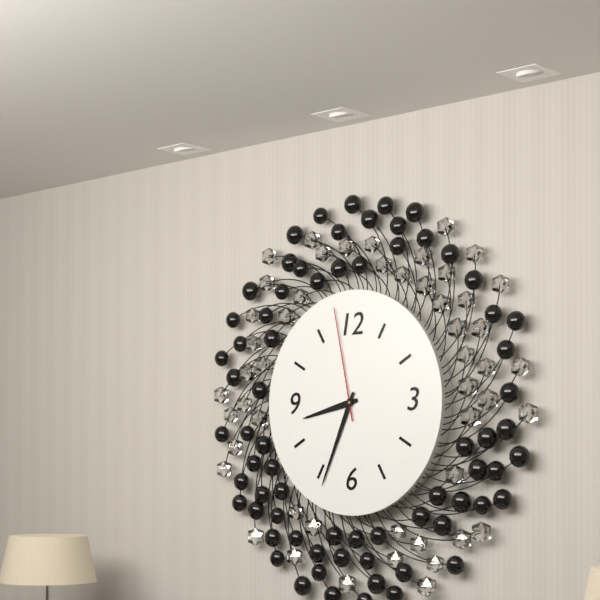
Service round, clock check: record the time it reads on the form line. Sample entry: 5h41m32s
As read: 8h34m58s
